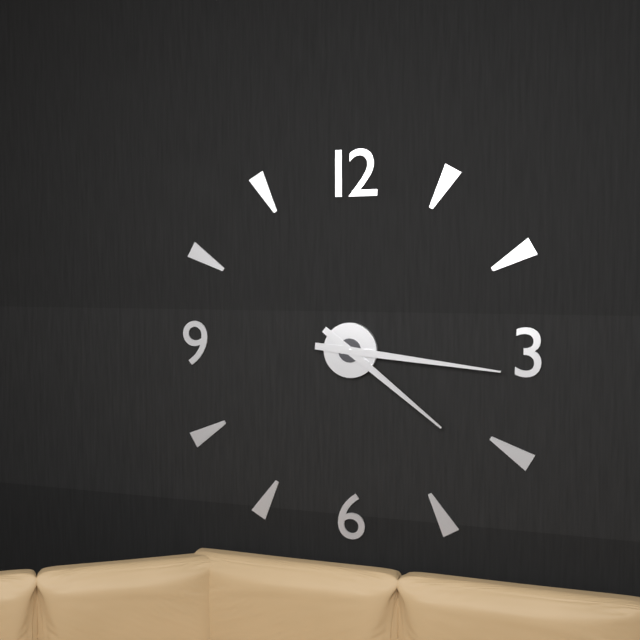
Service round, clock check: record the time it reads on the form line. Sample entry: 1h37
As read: 4h16
